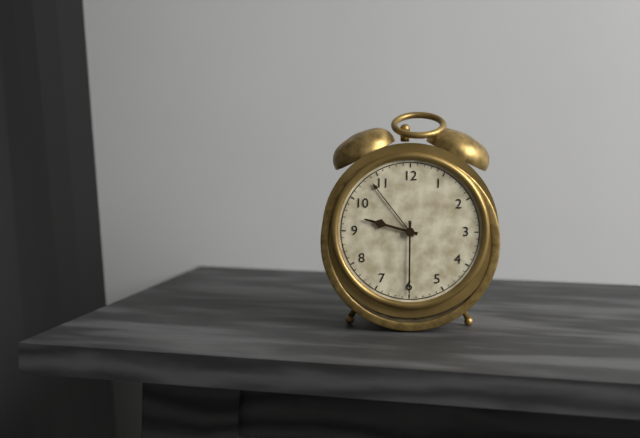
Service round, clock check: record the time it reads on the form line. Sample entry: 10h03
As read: 9h30
